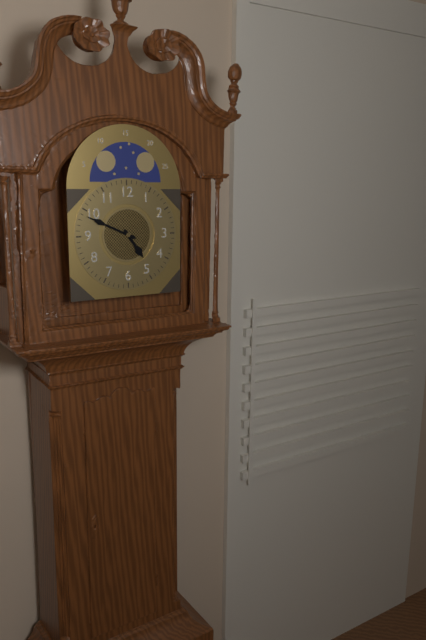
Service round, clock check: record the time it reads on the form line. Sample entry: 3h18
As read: 4h49
